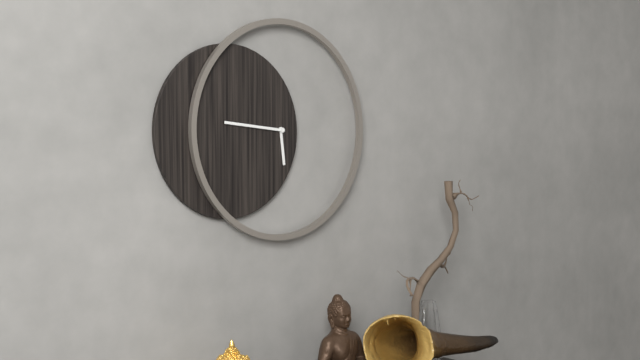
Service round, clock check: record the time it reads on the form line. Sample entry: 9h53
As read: 5h46
